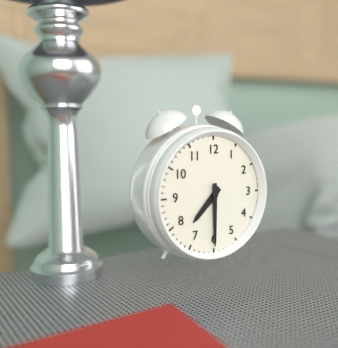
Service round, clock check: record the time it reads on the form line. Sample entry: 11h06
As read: 7h30
